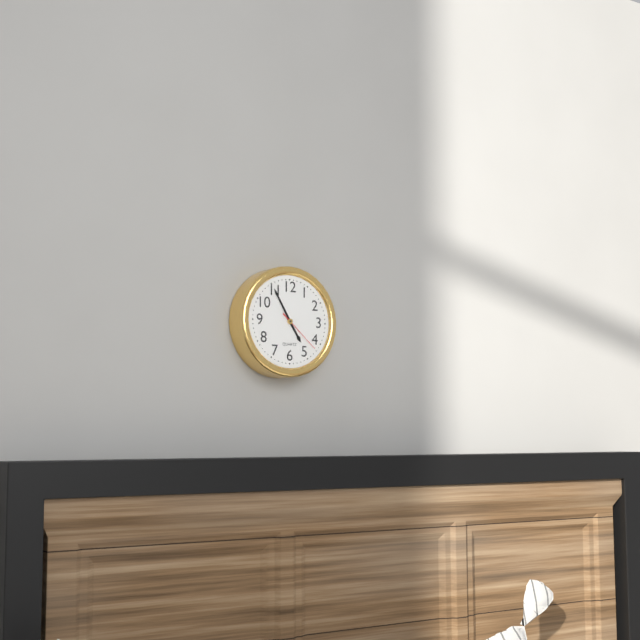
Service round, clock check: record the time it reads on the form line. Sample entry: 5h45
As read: 4h55
